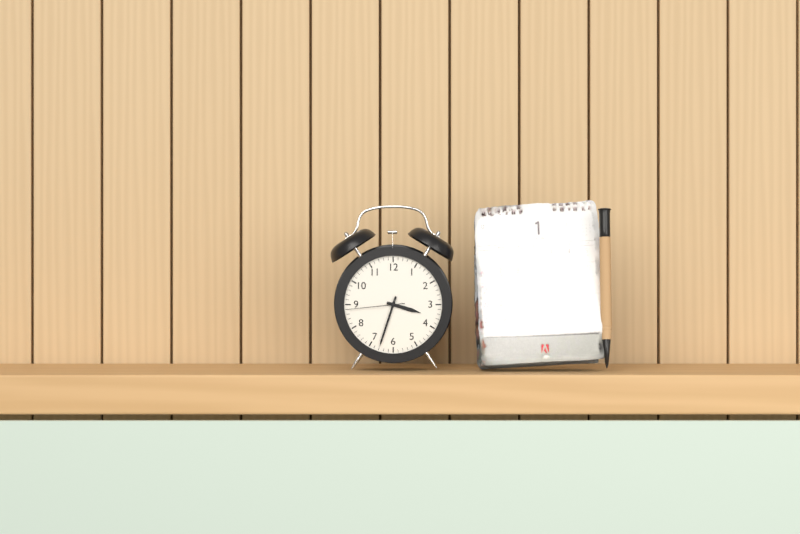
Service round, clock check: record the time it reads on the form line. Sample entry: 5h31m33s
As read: 3h33m44s
